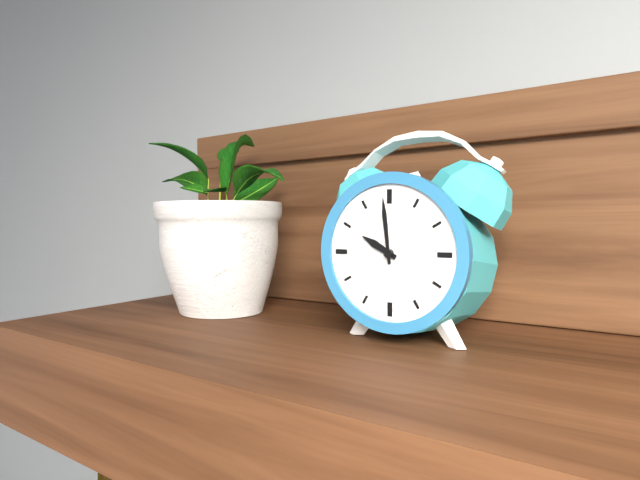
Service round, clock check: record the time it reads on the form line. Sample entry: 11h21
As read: 9h59
